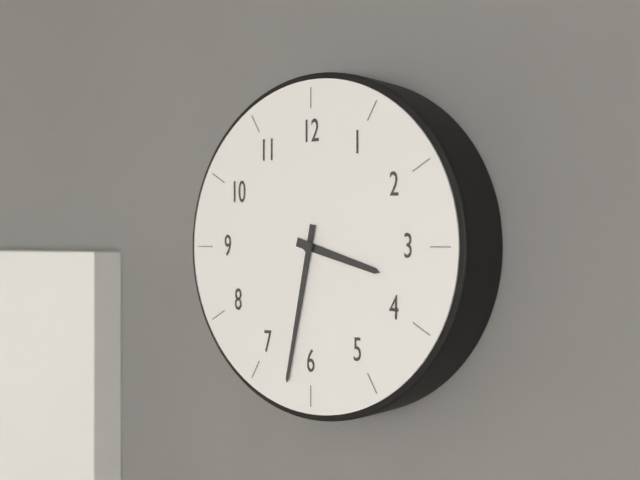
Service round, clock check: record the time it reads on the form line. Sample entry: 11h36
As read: 3h32
